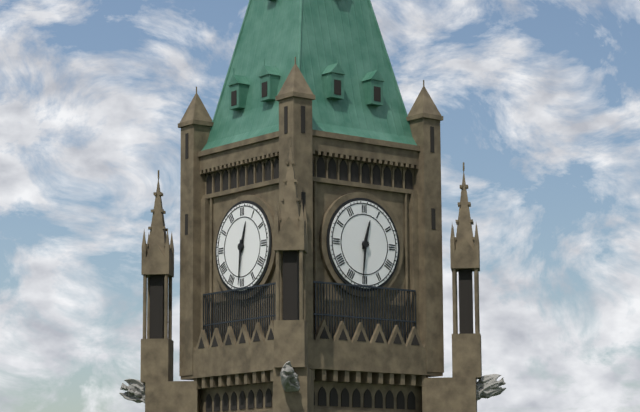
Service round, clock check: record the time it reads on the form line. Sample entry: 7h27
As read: 12h31
